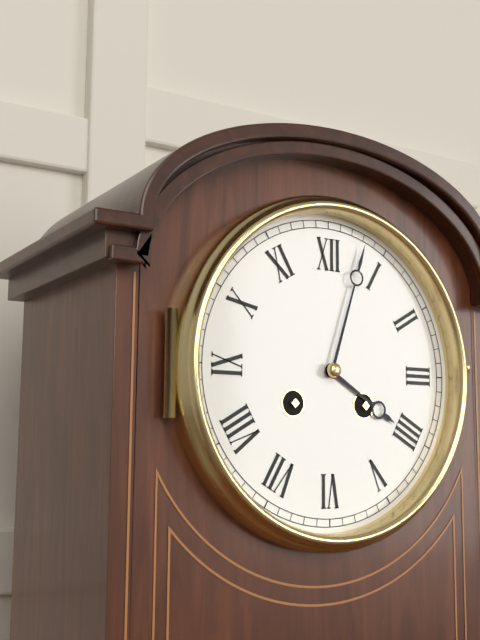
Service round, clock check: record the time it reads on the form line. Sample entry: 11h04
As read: 4h03
